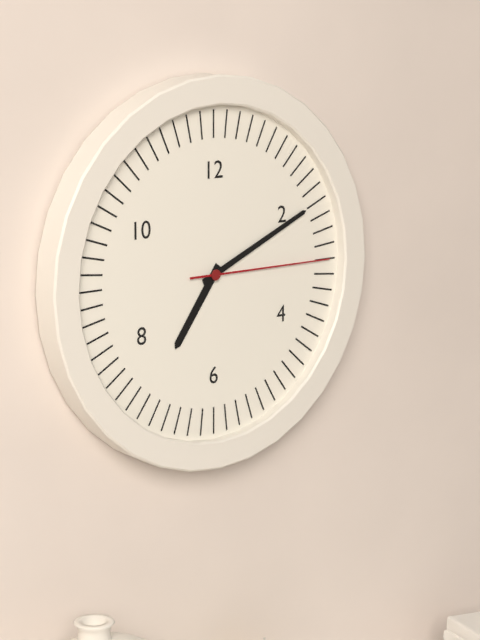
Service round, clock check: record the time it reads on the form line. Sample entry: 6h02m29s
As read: 7h11m15s
